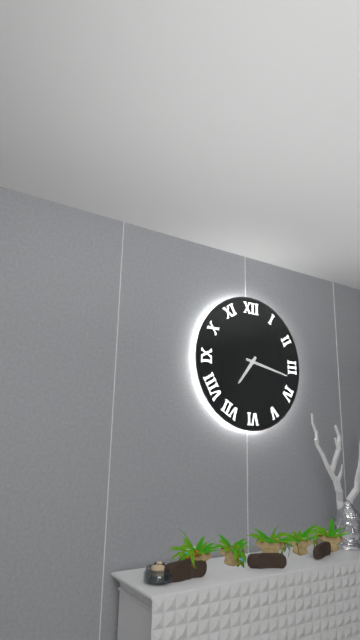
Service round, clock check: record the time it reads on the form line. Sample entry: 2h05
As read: 7h17
